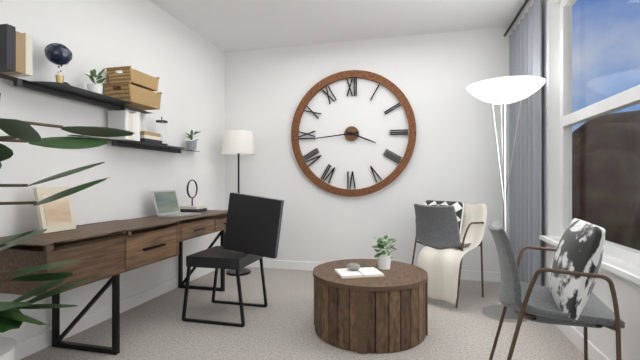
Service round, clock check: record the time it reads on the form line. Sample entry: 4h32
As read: 3h44
